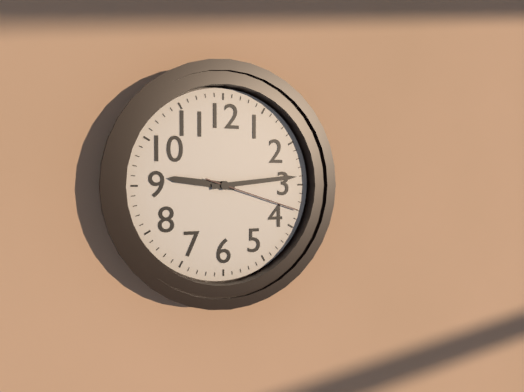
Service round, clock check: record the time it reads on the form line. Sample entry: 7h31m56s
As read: 9h14m18s
